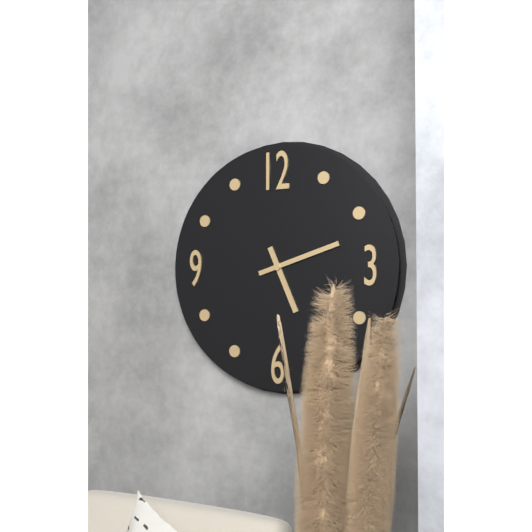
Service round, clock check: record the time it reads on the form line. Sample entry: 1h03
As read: 5h12
